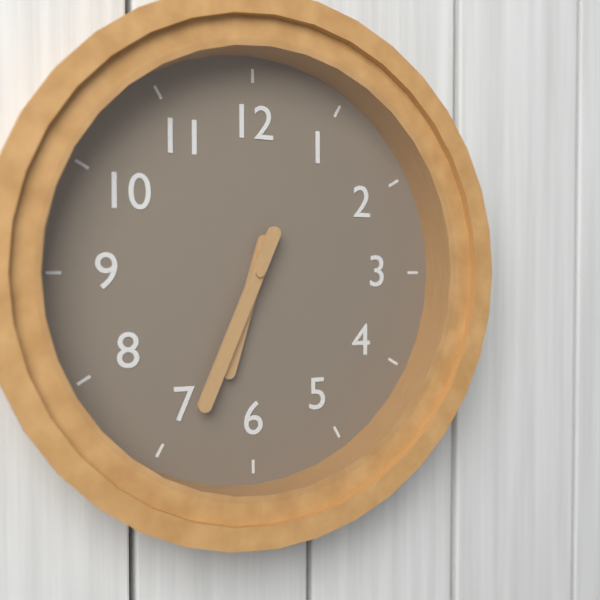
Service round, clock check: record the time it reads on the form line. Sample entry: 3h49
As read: 6h34
